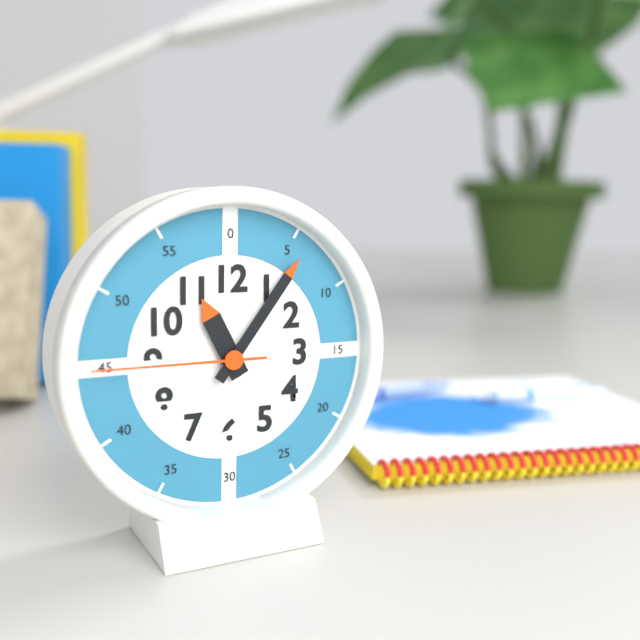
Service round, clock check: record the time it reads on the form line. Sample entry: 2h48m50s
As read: 11h06m45s
